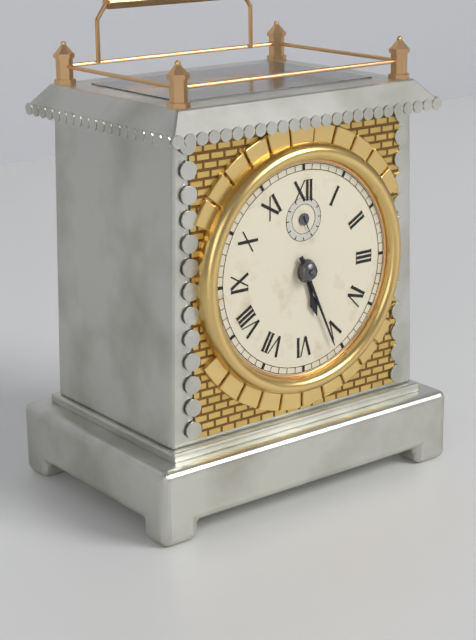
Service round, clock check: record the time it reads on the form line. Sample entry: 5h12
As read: 5h26
